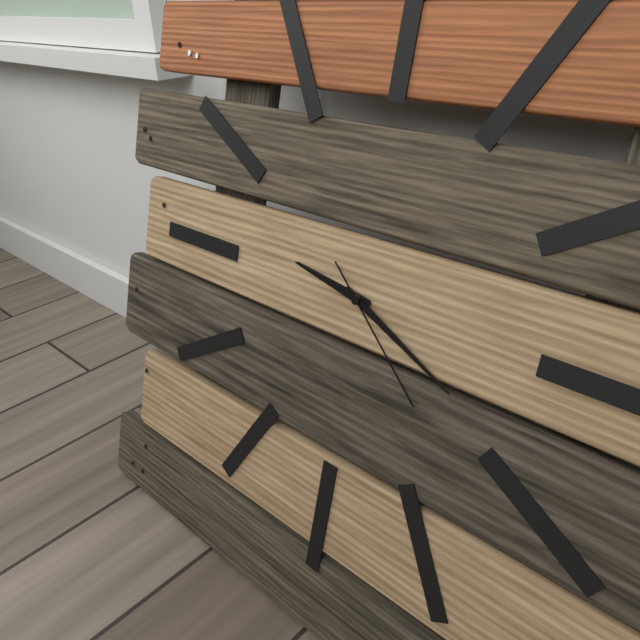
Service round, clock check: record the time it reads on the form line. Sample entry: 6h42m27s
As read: 9h19m22s
